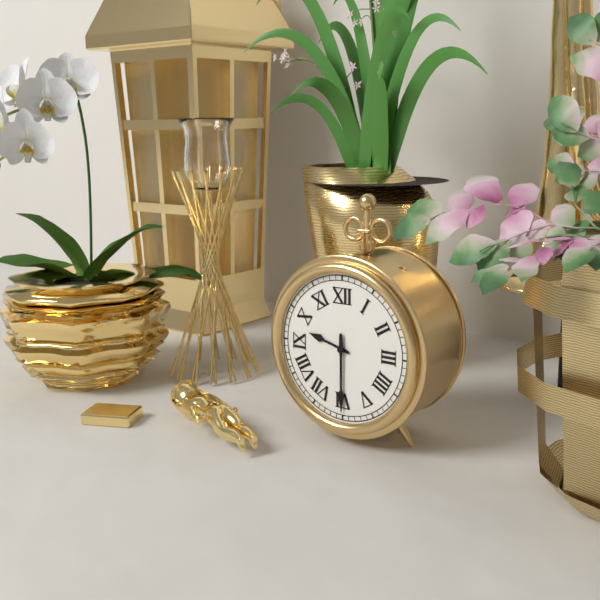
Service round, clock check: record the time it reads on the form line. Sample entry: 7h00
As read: 9h30
